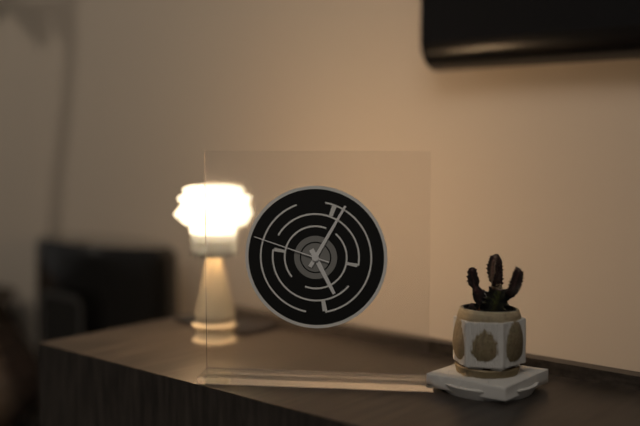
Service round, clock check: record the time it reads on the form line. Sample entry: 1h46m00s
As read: 5h05m48s
